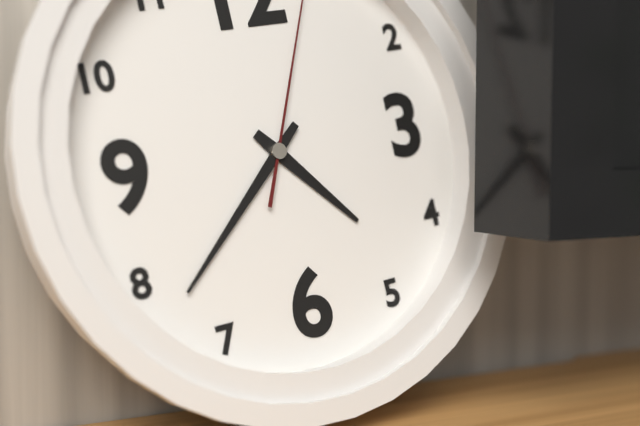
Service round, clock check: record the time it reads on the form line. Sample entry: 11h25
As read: 4h38
